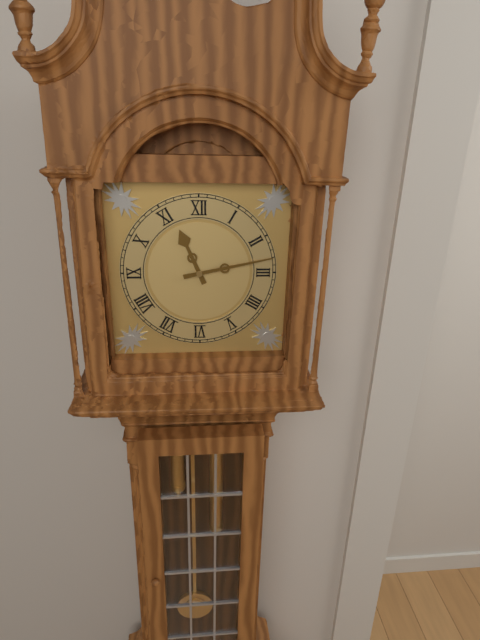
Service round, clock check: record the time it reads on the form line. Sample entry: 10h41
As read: 11h13
